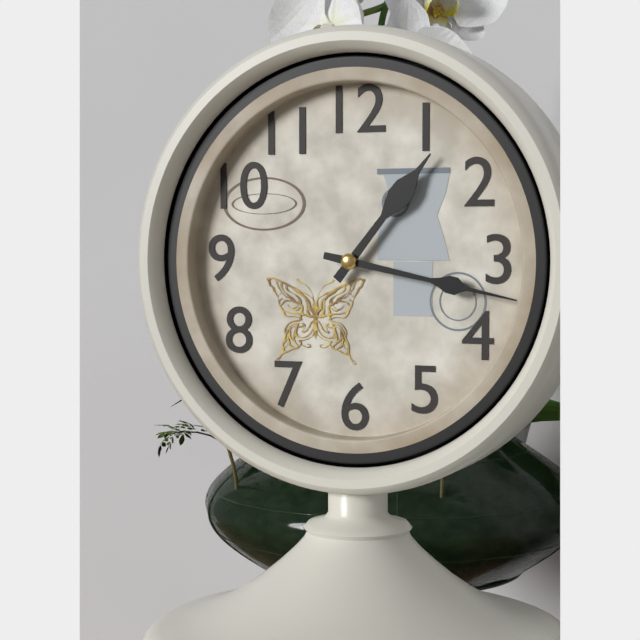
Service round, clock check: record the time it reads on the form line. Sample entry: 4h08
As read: 1h17
